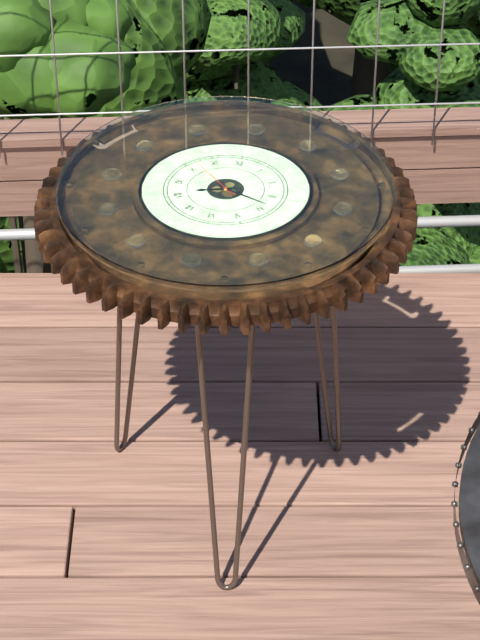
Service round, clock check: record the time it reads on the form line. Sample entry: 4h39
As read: 8h18
